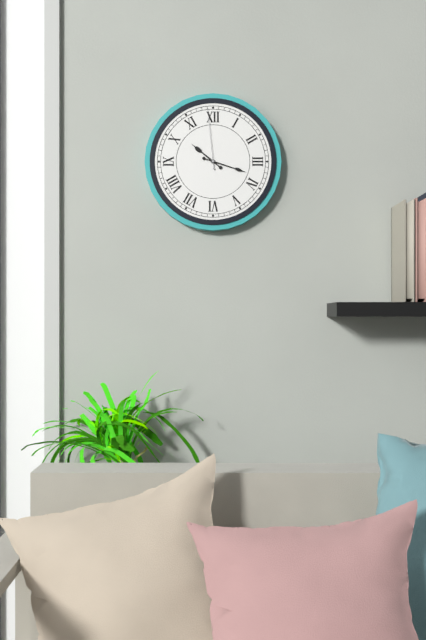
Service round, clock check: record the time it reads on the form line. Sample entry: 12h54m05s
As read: 10h18m59s
